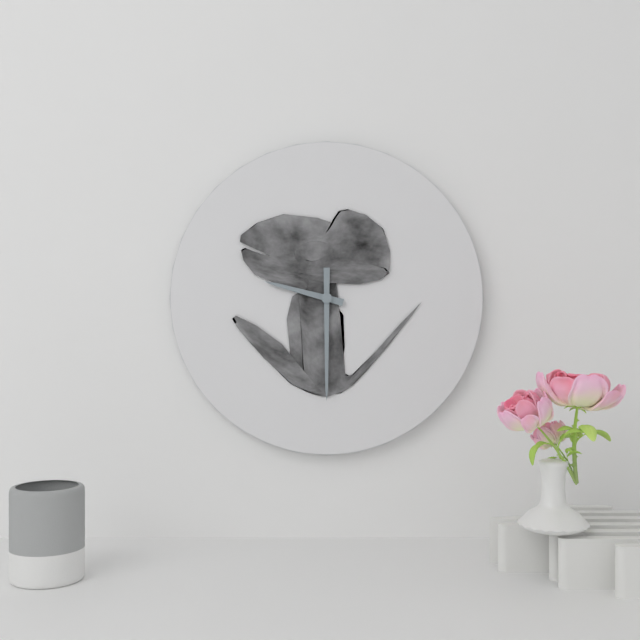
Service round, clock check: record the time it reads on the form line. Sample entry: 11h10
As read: 9h30
